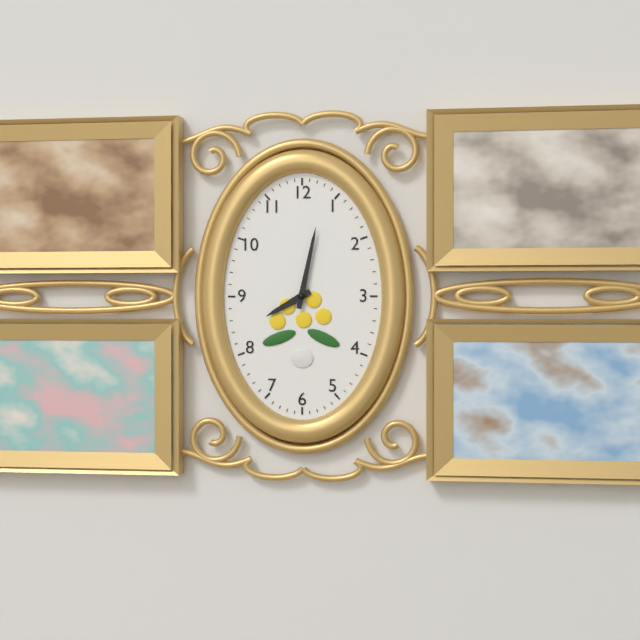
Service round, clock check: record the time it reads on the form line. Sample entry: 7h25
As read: 8h02
